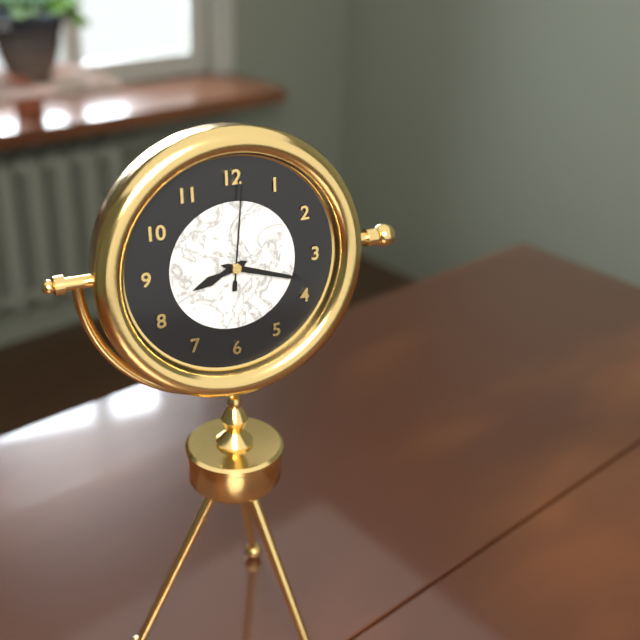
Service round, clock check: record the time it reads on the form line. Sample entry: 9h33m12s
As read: 8h18m01s
